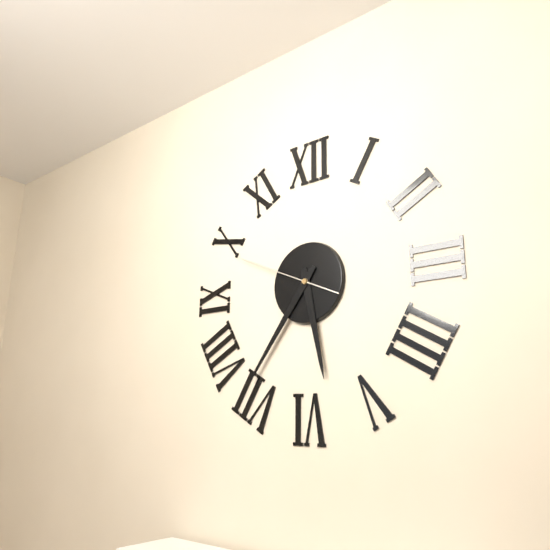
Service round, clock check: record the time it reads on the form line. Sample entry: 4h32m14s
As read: 5h36m49s
